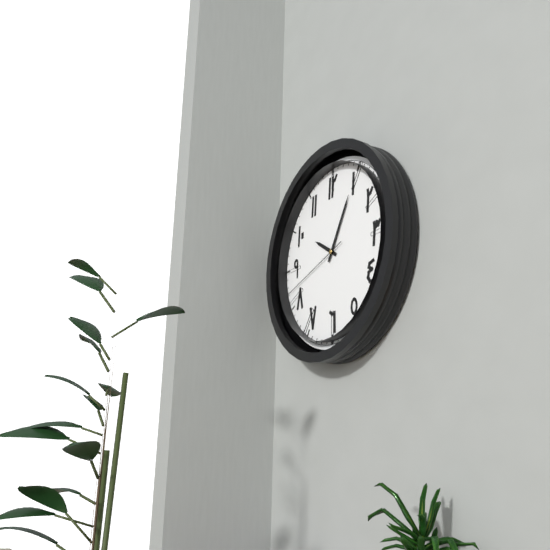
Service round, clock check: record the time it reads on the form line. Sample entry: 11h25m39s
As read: 10h05m42s
